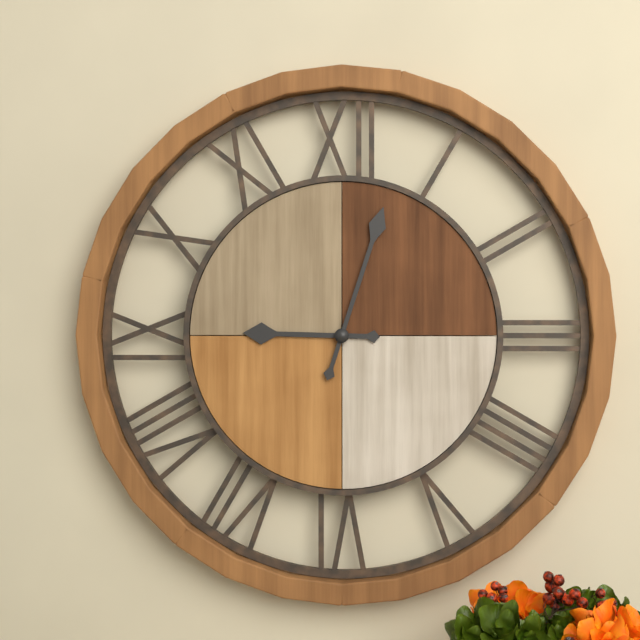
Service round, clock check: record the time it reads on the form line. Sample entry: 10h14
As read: 9h03
